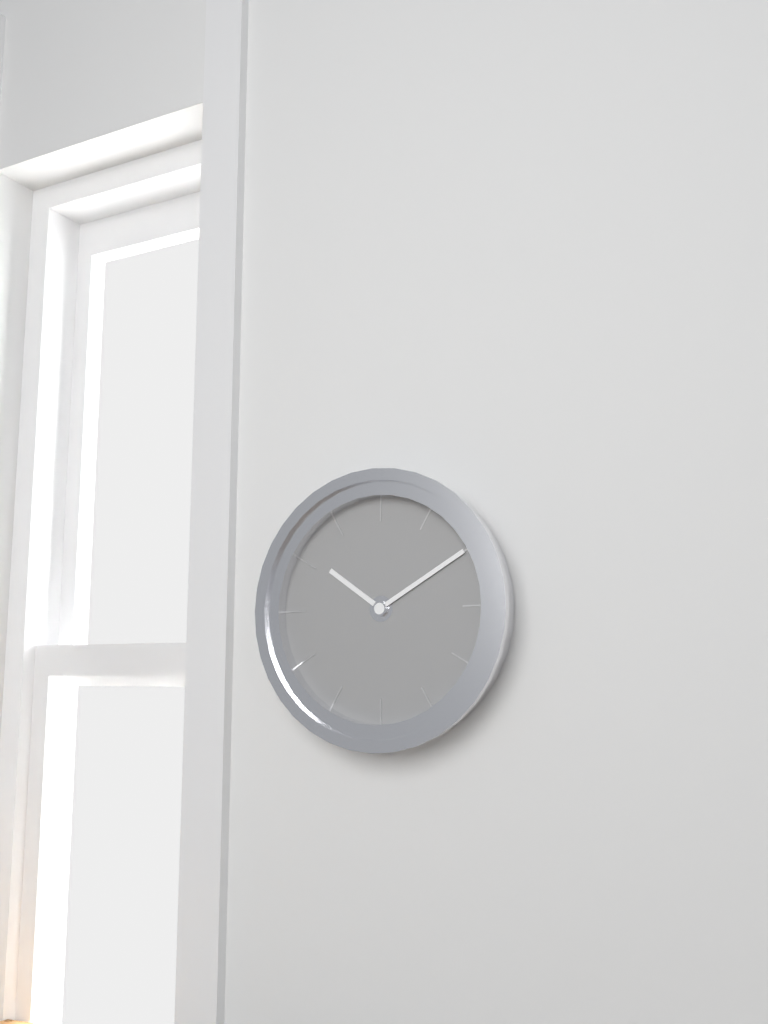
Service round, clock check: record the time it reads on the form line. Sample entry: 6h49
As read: 10h10
